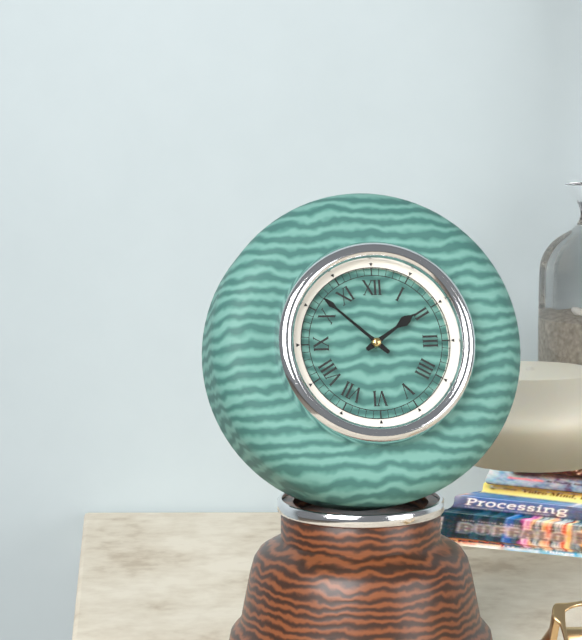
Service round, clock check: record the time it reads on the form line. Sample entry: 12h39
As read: 1h52
